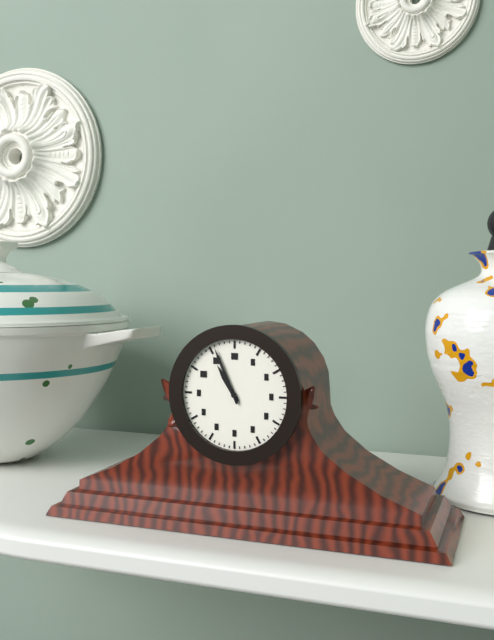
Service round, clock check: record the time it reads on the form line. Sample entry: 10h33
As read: 10h56
